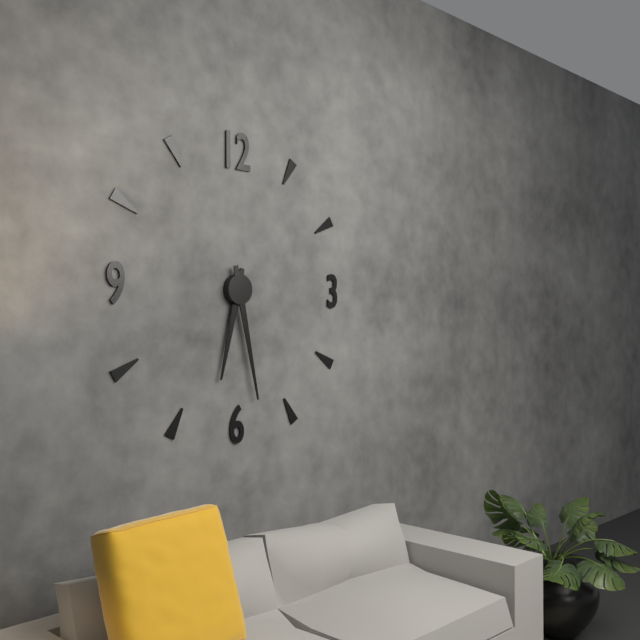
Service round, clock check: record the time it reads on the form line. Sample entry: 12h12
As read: 6h28
